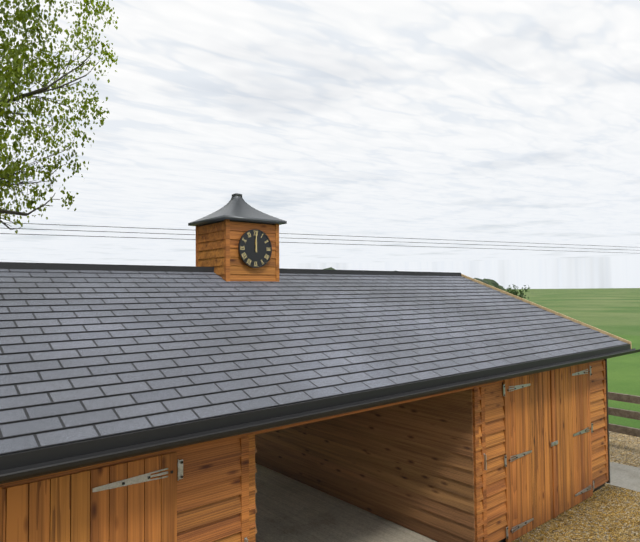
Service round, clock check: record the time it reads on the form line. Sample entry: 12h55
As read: 12h00
